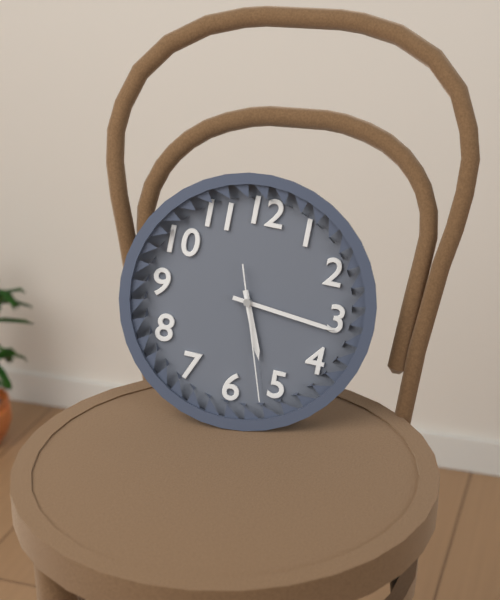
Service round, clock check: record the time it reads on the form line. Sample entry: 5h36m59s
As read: 5h16m27s
